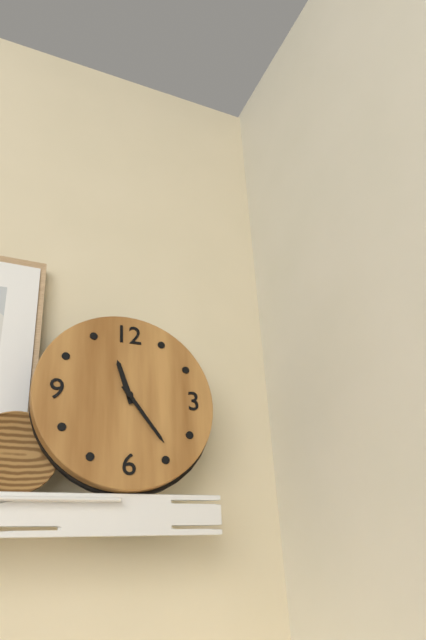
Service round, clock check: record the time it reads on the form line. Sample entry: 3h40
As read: 11h24
